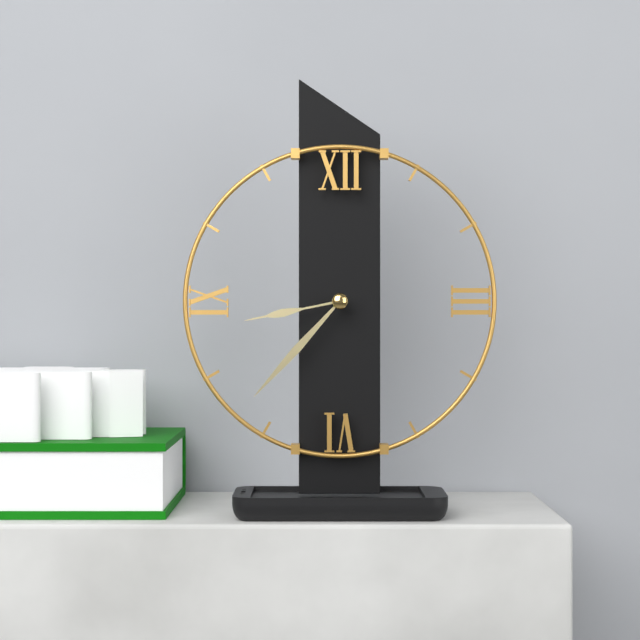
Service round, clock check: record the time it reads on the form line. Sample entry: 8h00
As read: 8h37
